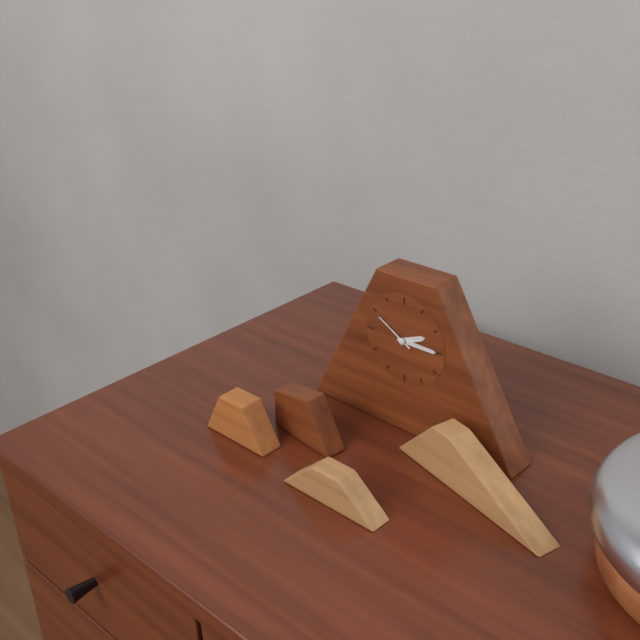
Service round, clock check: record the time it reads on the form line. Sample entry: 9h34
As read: 2h15
